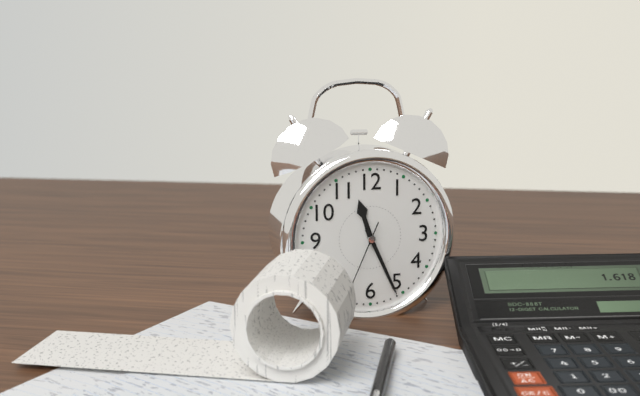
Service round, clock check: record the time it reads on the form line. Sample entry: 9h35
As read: 11h26
